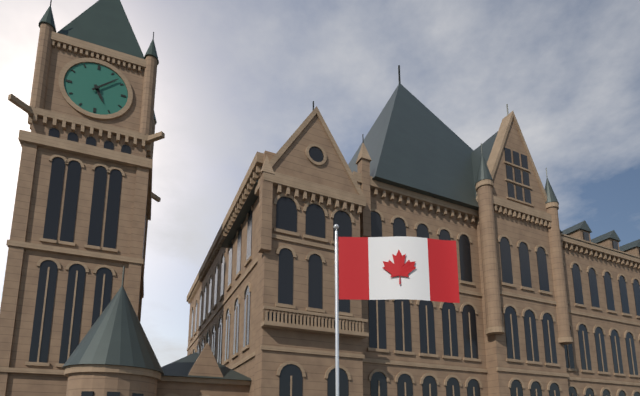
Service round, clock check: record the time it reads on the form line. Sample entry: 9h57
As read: 5h08
